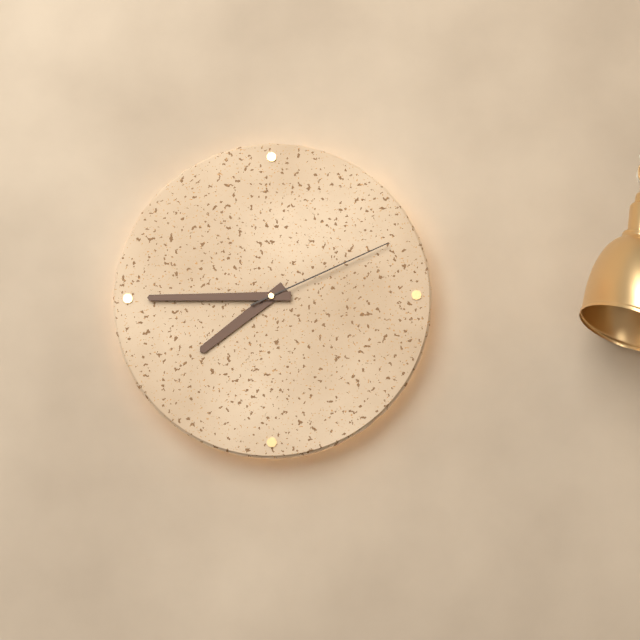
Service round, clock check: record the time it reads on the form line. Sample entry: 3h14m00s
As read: 7h45m11s
